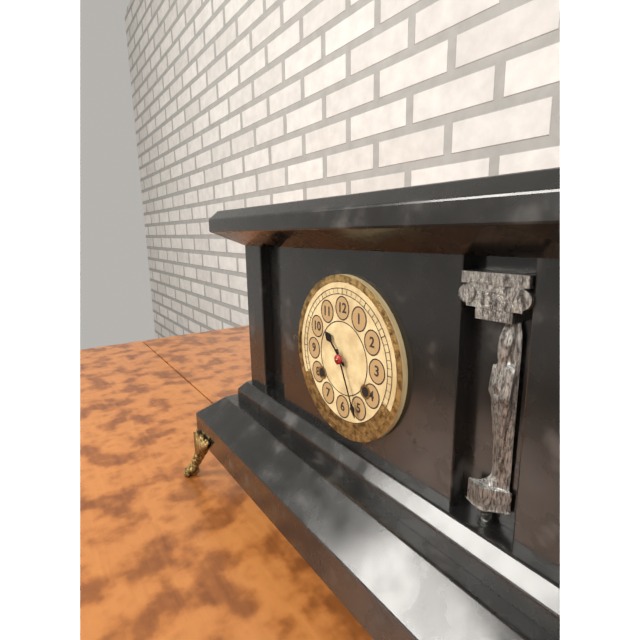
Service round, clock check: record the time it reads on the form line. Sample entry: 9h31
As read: 10h26
